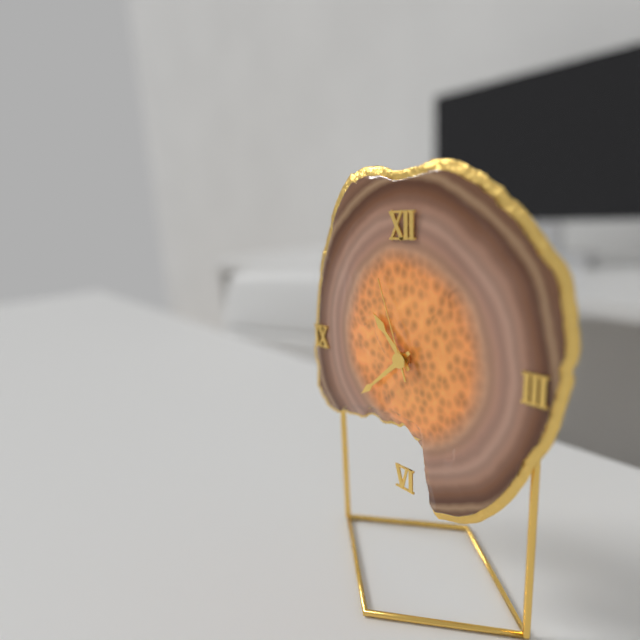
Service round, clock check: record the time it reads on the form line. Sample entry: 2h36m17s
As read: 10h38m57s
